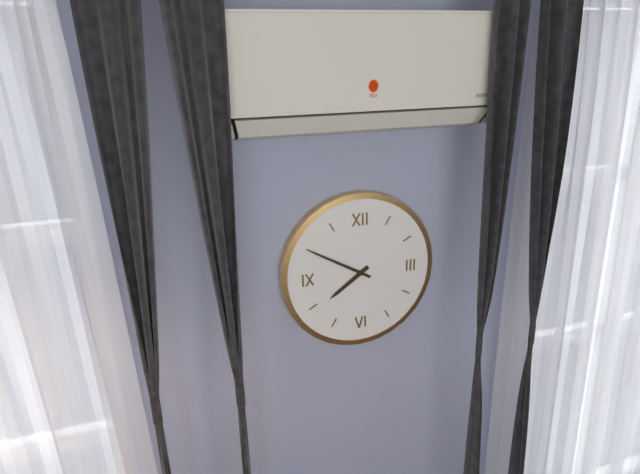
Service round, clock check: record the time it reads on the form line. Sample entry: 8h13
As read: 7h50
